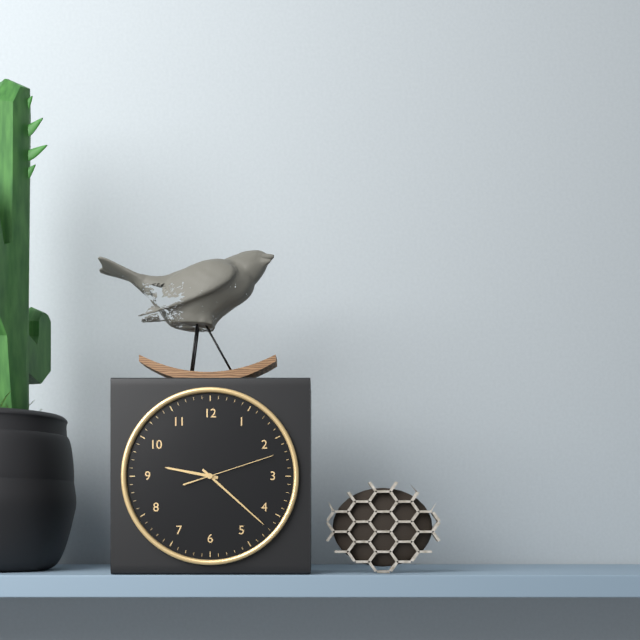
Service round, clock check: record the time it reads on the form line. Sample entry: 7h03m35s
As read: 9h22m12s
